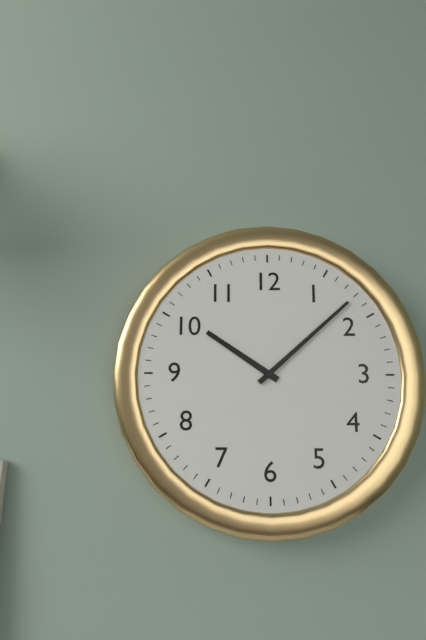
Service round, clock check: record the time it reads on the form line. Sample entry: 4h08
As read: 10h08
